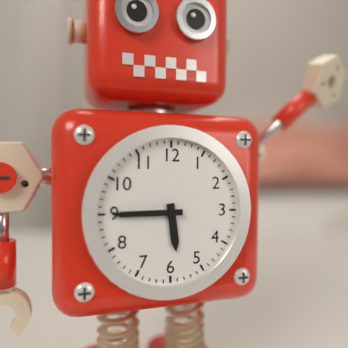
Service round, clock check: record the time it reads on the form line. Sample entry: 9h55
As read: 5h45
